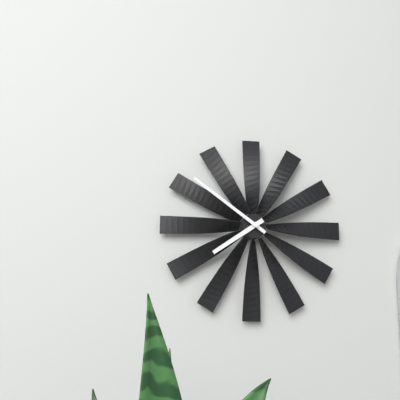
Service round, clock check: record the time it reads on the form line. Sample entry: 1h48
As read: 7h51
